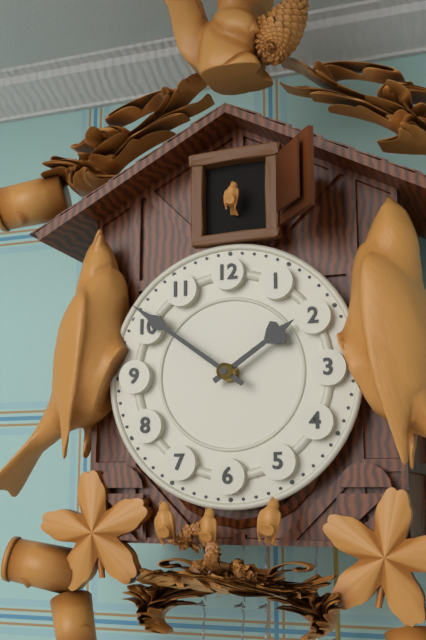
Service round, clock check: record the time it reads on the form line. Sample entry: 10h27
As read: 1h51
